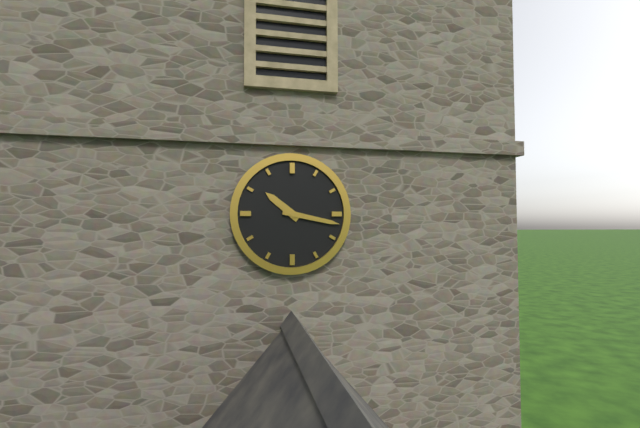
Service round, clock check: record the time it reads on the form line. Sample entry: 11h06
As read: 10h17
